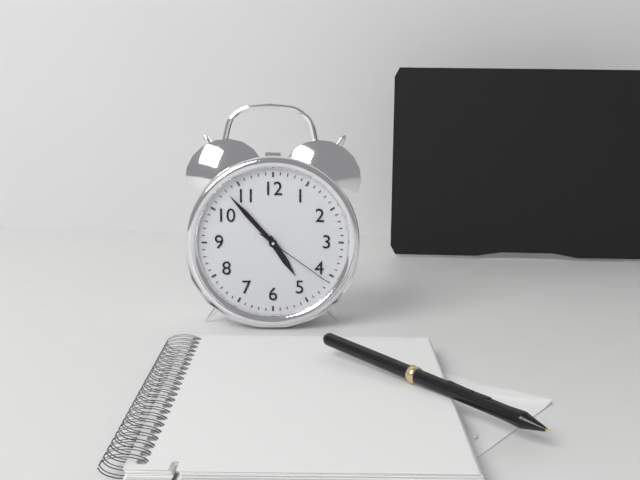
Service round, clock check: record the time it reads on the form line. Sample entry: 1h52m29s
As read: 4h53m21s
